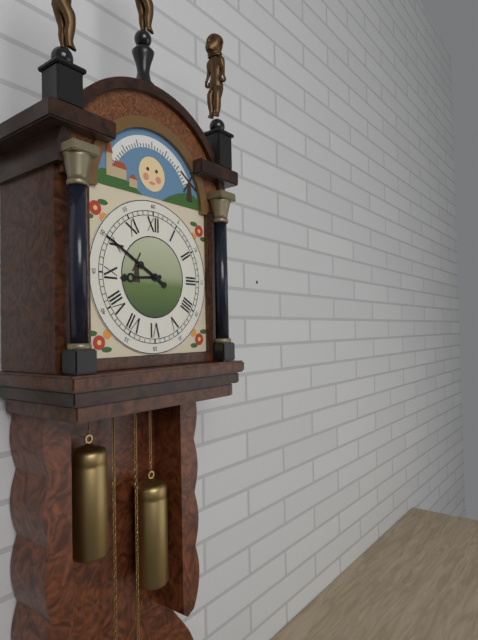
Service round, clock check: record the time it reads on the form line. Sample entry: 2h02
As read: 8h50
